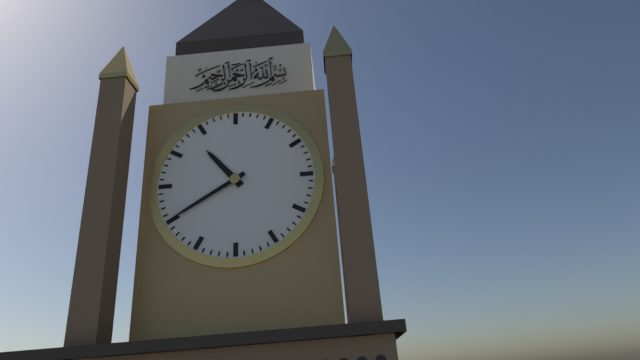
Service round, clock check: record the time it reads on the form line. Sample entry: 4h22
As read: 10h40
